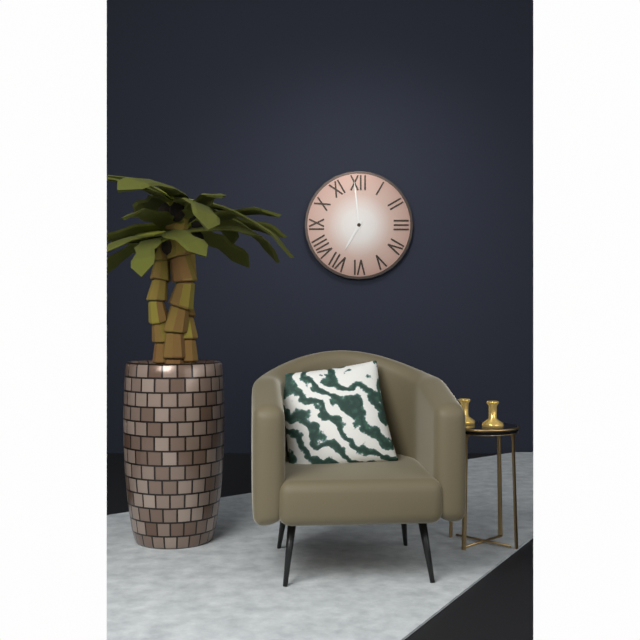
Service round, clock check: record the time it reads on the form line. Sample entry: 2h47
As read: 6h59
